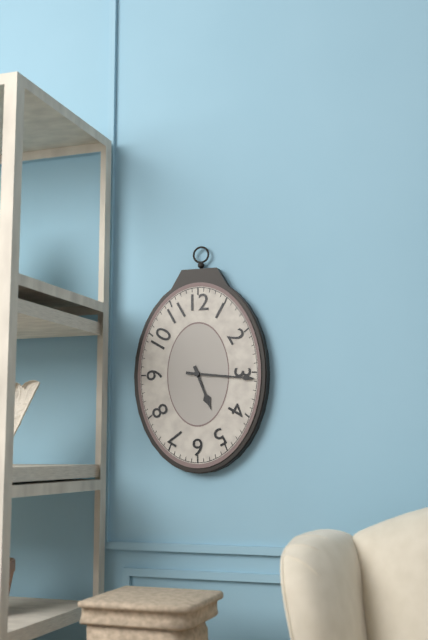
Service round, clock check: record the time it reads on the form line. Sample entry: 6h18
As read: 5h16
